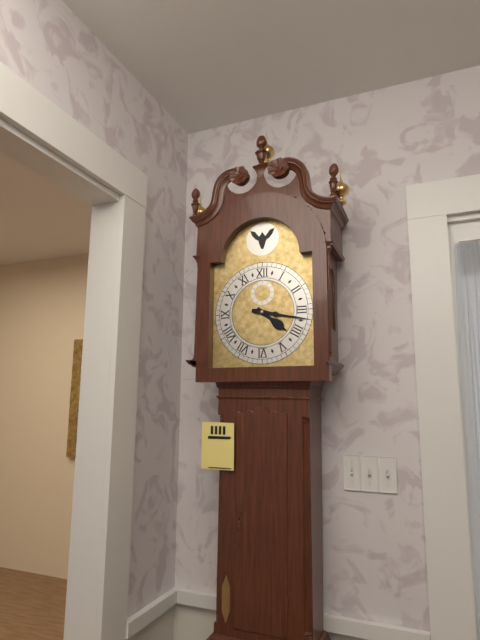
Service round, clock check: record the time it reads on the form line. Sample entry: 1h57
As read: 4h17
